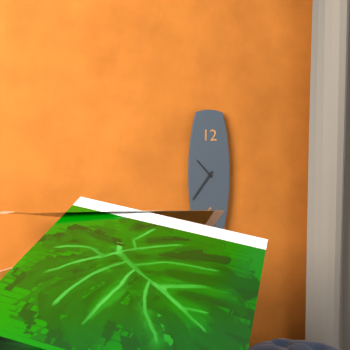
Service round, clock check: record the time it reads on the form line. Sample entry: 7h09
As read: 10h36
